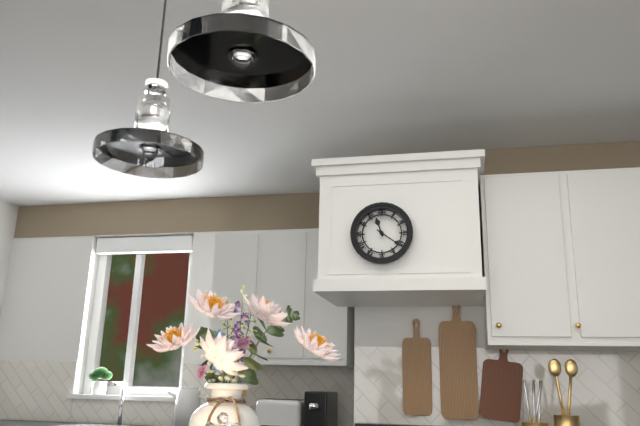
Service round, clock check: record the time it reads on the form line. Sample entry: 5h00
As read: 11h21
